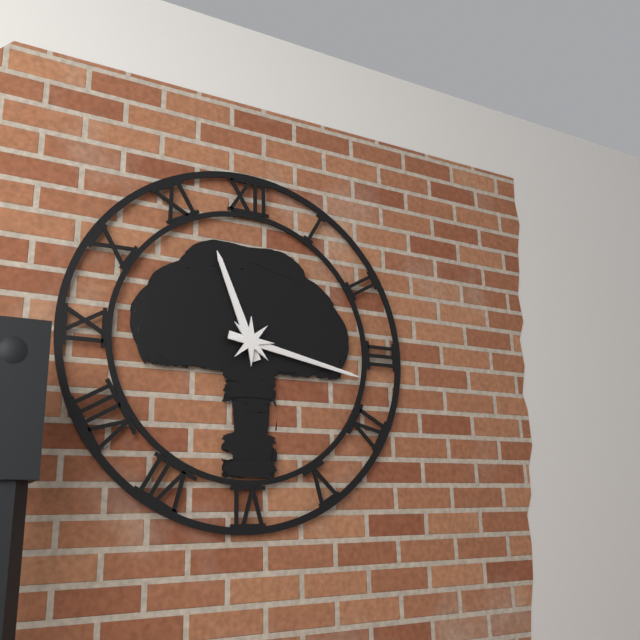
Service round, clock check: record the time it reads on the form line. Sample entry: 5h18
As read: 11h17
